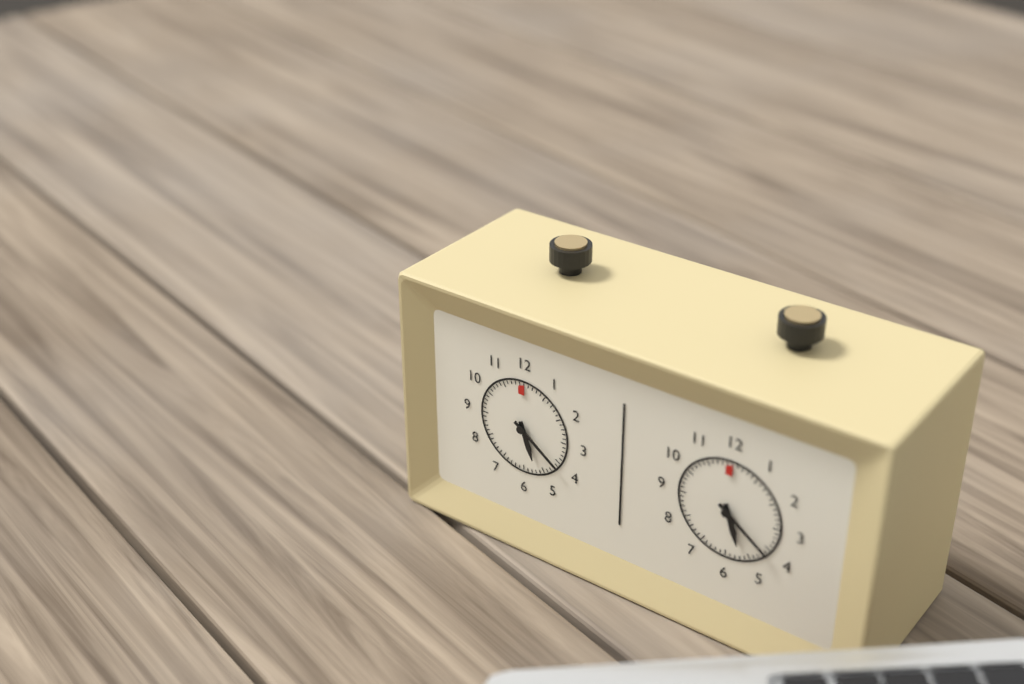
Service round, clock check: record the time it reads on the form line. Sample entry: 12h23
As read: 5h21
